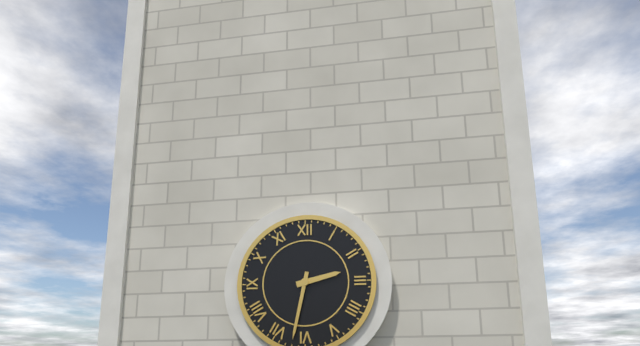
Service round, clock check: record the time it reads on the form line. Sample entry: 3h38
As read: 2h32
